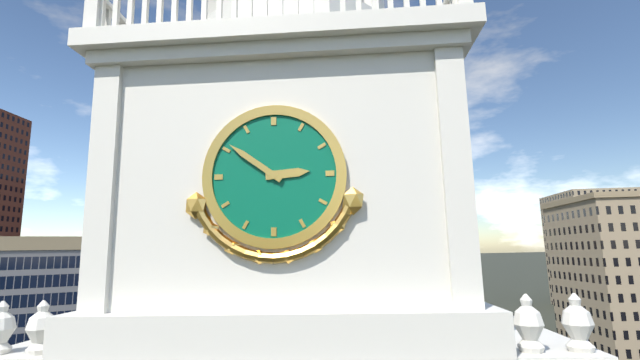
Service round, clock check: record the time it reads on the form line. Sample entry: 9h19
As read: 2h51
